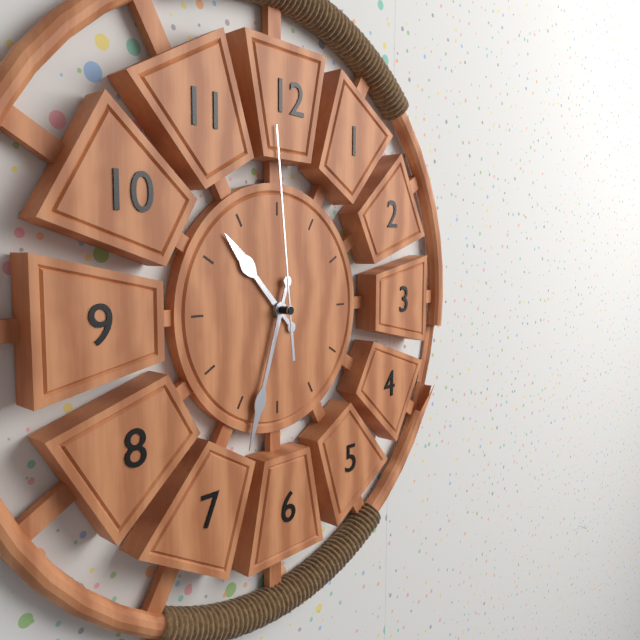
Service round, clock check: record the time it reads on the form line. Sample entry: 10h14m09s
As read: 10h33m59s
